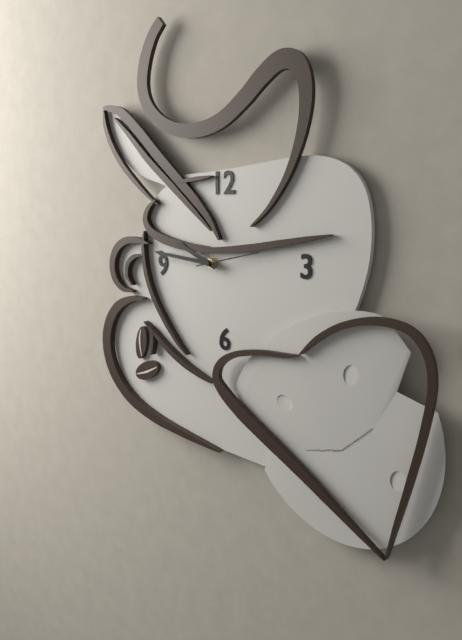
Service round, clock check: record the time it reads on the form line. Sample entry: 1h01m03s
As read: 9h46m13s
